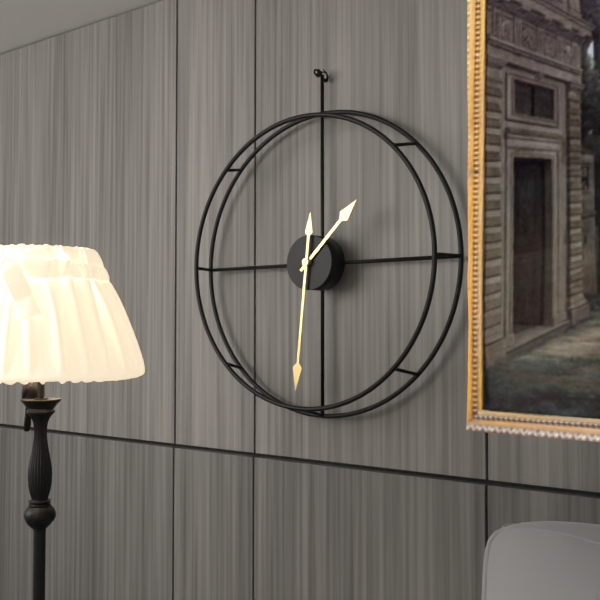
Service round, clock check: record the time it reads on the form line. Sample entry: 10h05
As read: 1h31
